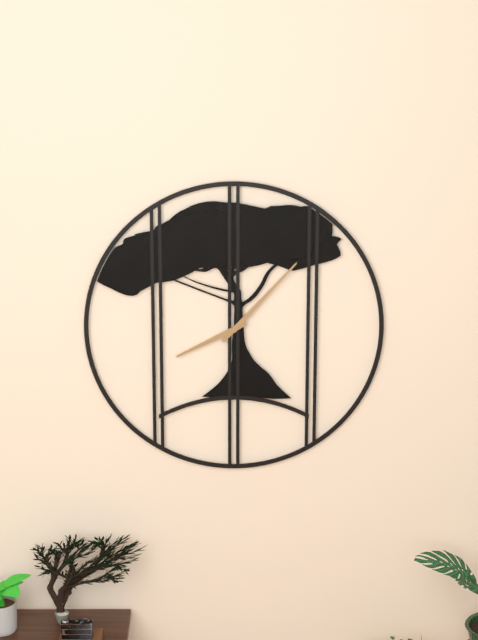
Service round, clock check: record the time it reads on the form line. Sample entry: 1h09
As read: 8h07
